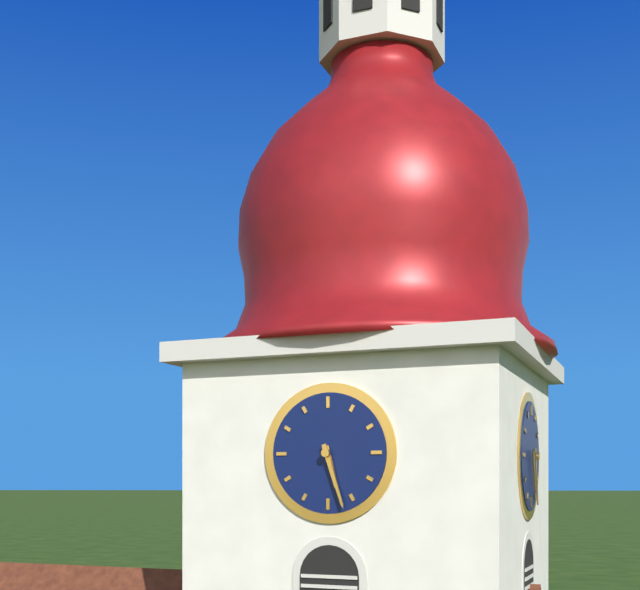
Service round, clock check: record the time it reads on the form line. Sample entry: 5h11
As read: 5h27
